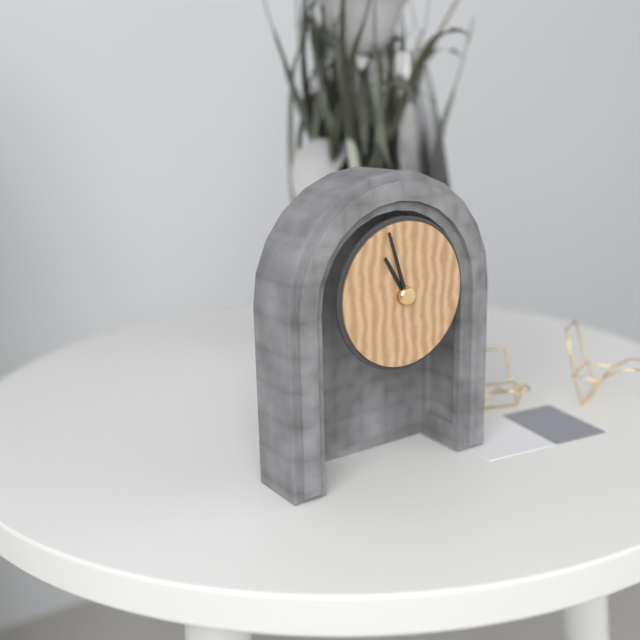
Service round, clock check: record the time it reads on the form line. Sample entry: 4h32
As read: 10h57
